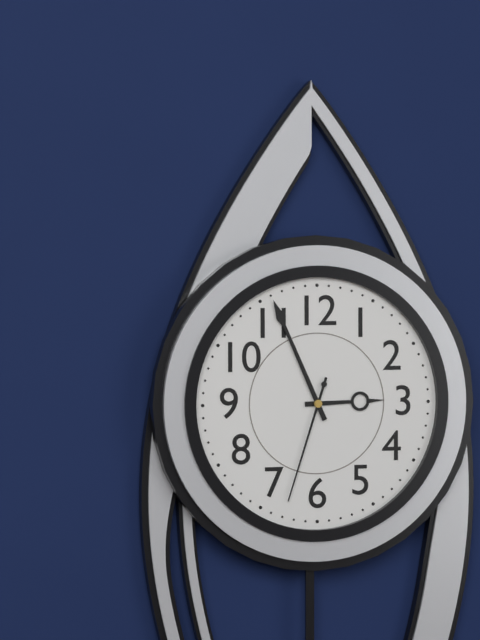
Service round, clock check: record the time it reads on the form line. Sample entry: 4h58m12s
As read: 2h56m33s
